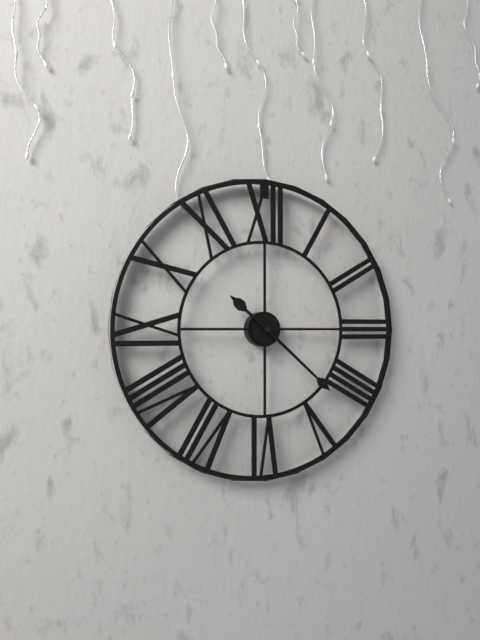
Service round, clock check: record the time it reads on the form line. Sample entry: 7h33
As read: 10h22
